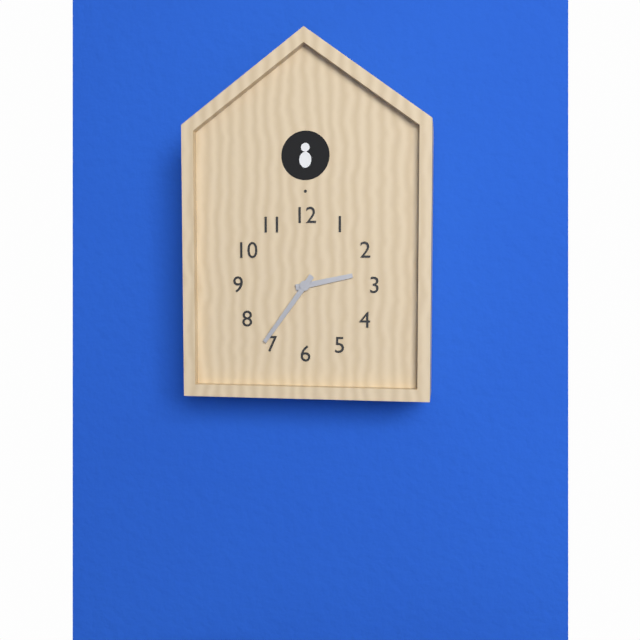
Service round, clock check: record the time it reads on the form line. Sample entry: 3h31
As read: 2h36
